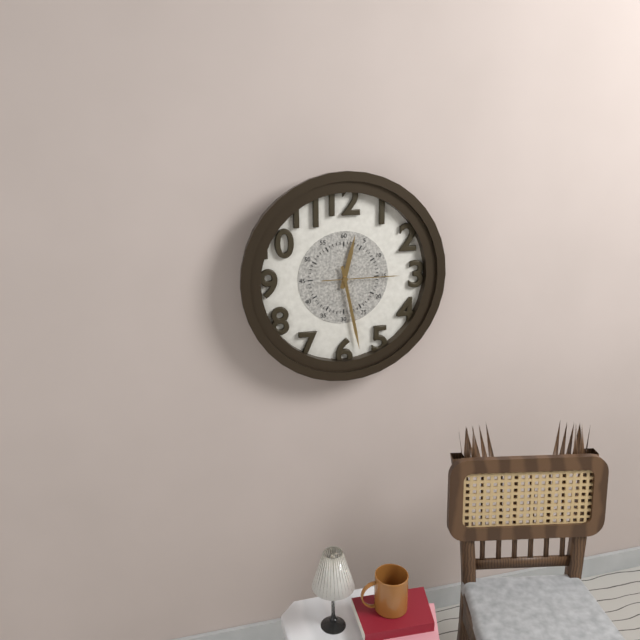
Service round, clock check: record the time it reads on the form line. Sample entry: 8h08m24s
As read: 12h28m15s
